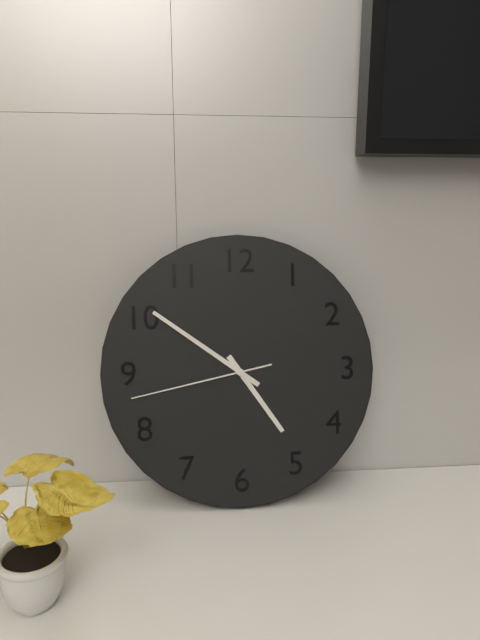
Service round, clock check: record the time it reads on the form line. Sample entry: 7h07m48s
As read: 4h51m43s
